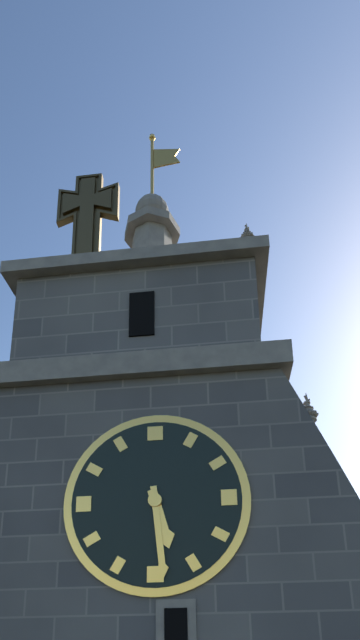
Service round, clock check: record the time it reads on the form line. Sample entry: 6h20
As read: 5h29
